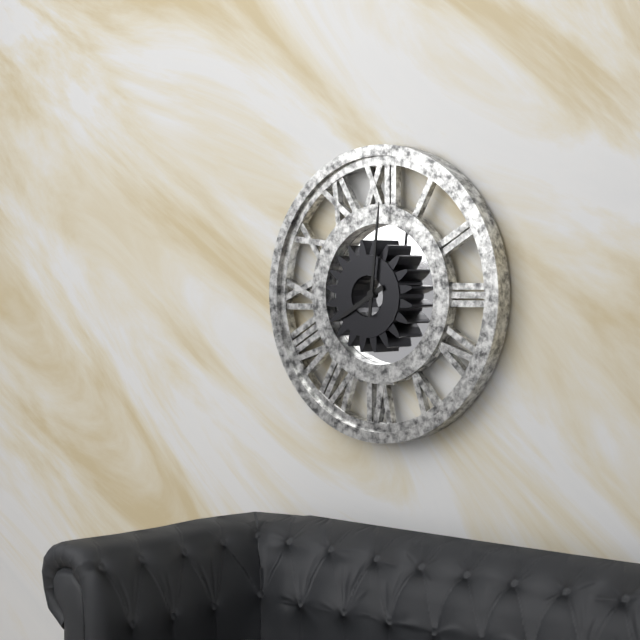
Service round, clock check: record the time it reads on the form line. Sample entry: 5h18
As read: 8h01
